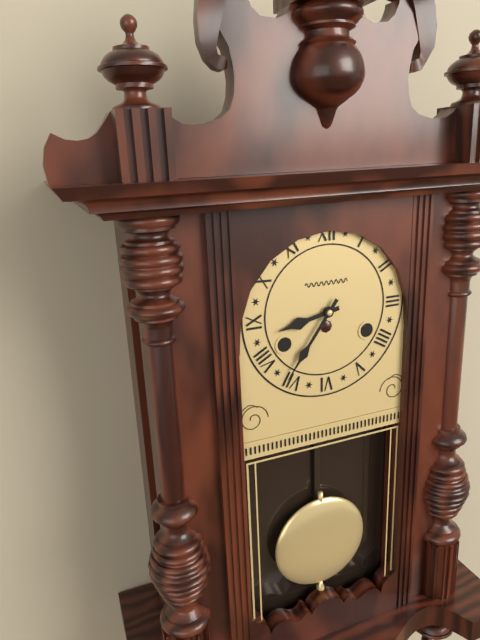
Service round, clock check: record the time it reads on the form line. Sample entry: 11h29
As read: 8h36
